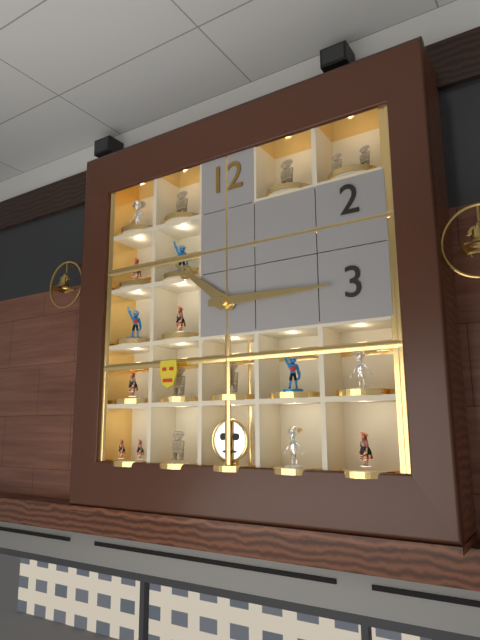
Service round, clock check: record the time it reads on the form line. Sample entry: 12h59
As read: 10h15
